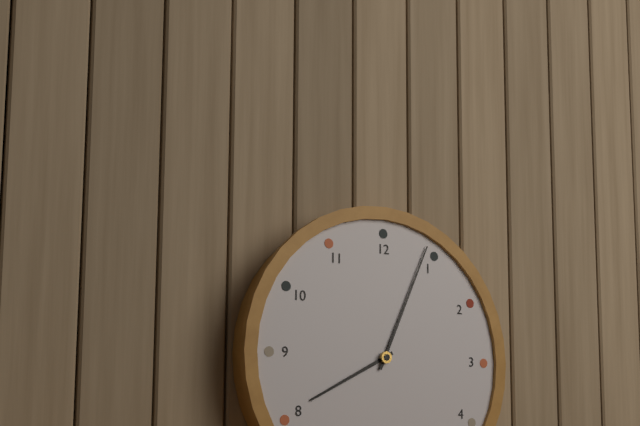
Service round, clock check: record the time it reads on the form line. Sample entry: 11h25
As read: 8h04
